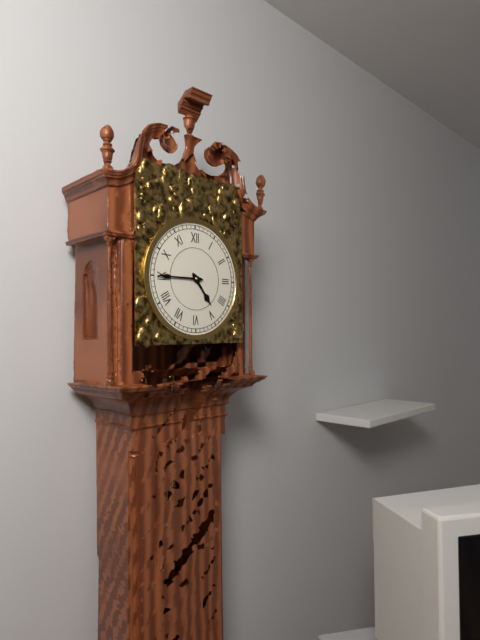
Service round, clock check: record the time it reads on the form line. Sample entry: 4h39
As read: 4h45
